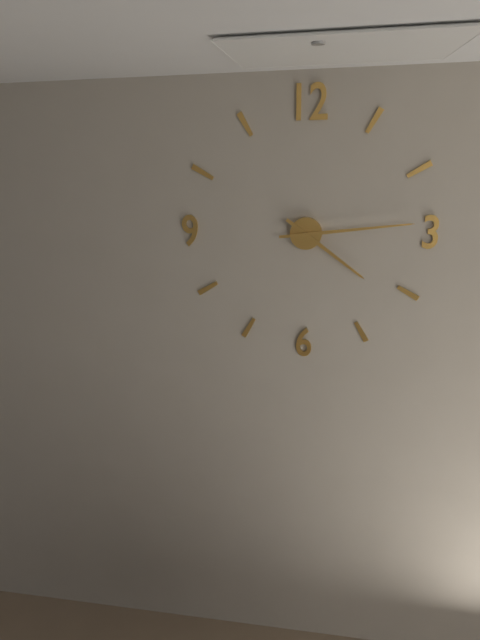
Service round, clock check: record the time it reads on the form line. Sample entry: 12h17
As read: 4h14
